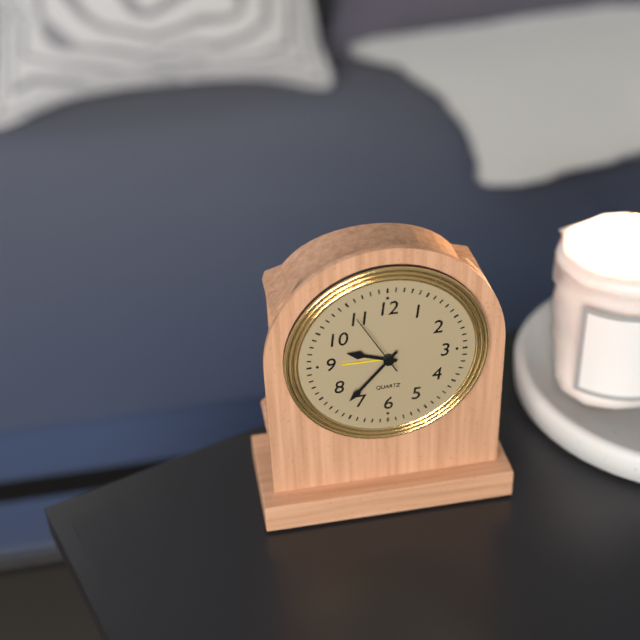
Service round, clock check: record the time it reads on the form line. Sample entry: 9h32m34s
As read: 9h37m55s
